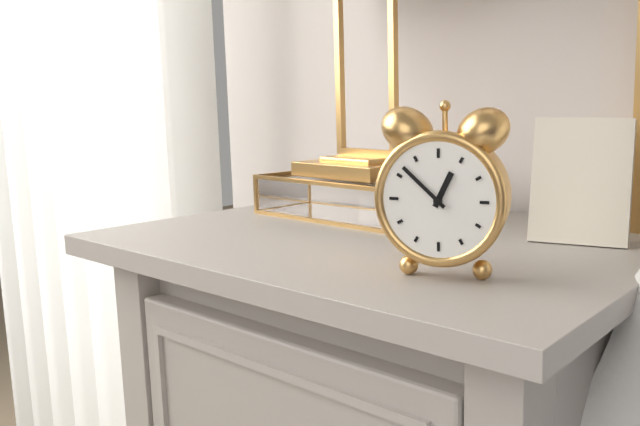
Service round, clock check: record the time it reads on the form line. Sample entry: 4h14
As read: 12h52
